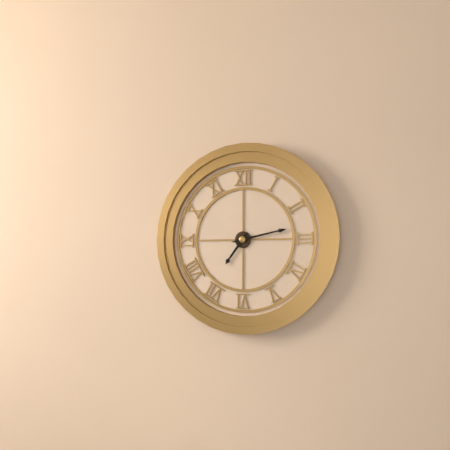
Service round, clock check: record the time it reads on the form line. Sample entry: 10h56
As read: 7h13
